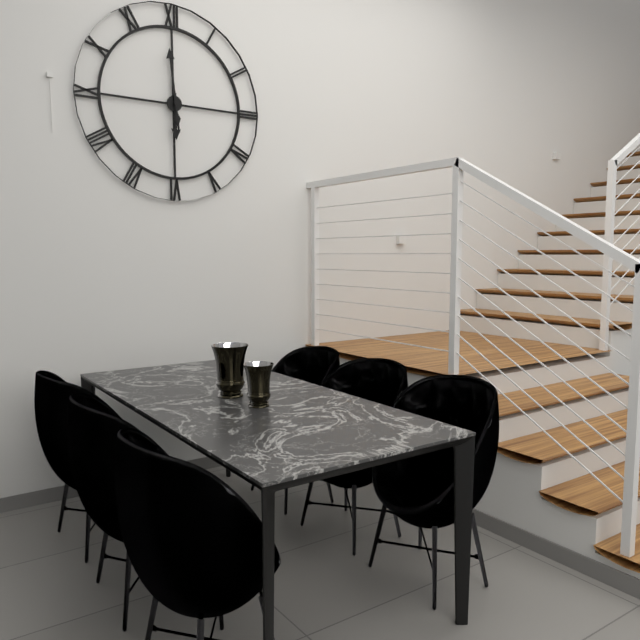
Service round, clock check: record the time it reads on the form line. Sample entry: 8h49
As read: 5h59
